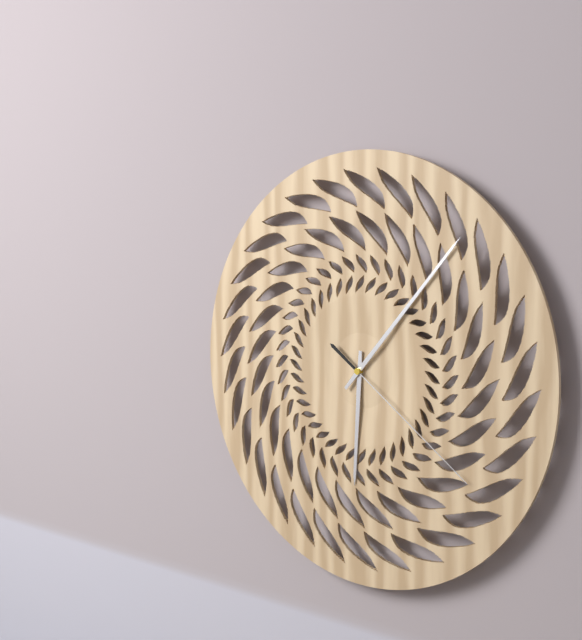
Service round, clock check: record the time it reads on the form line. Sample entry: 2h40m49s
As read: 6h07m21s
